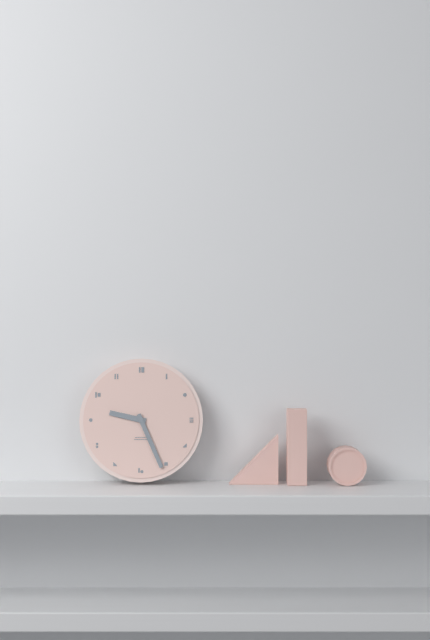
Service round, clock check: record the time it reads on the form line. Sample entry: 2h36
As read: 9h26
